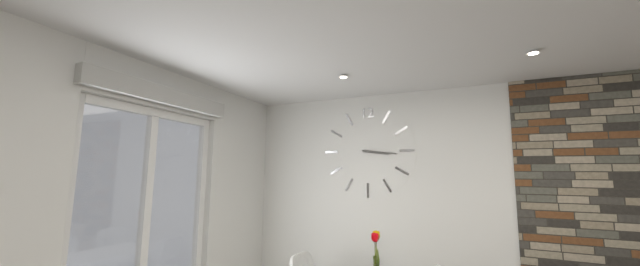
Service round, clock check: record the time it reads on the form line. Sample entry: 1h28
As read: 3h16
